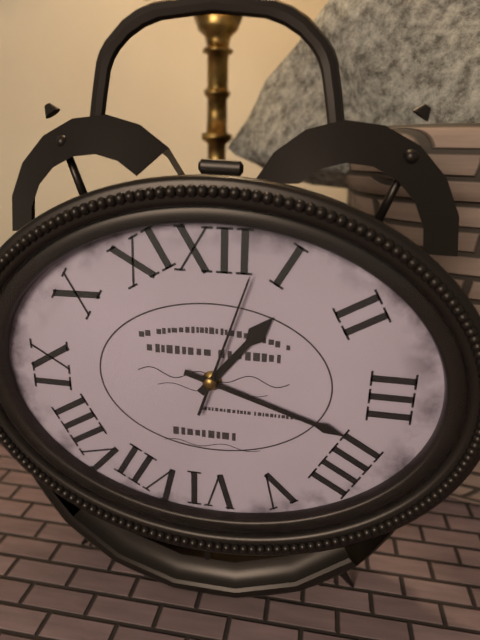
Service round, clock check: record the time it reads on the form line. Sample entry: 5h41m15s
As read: 1h18m03s
